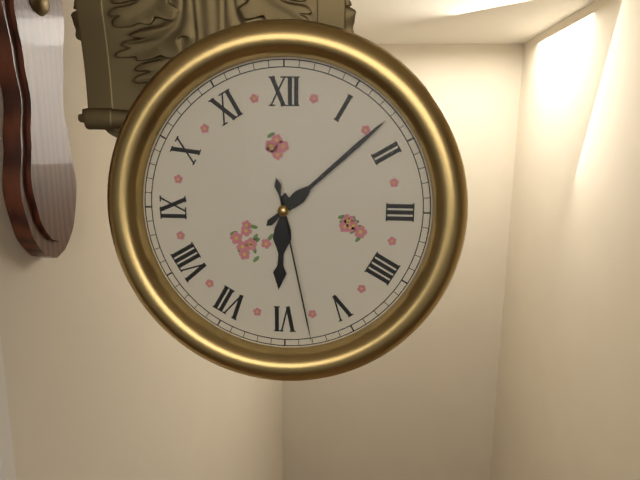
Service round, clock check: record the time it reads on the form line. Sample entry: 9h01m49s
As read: 6h08m28s
